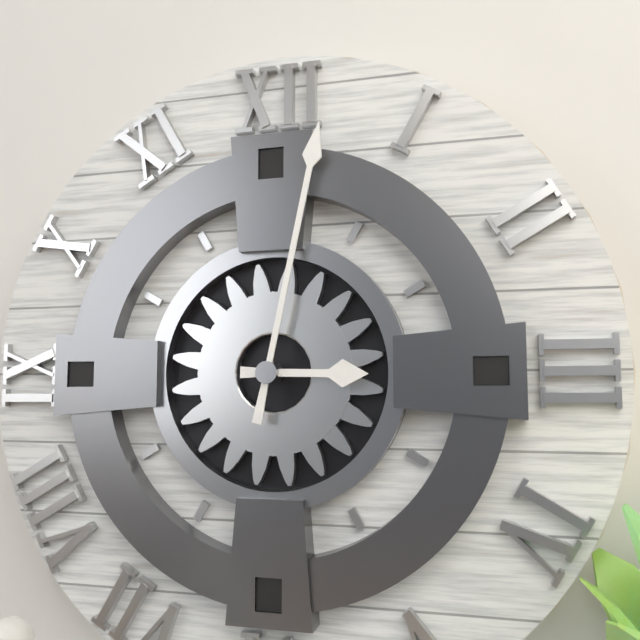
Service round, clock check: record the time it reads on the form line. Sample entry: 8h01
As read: 3h02
